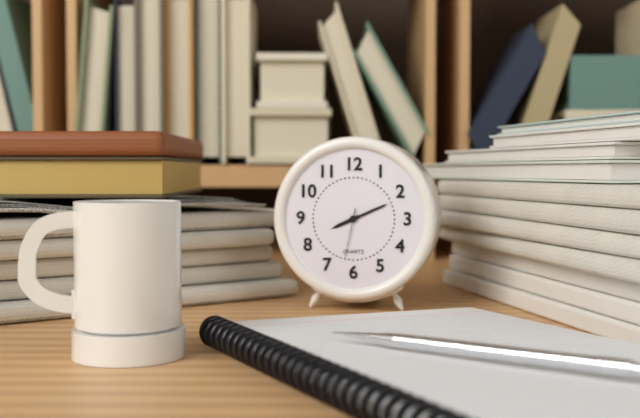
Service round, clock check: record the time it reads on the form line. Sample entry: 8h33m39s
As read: 8h11m32s
